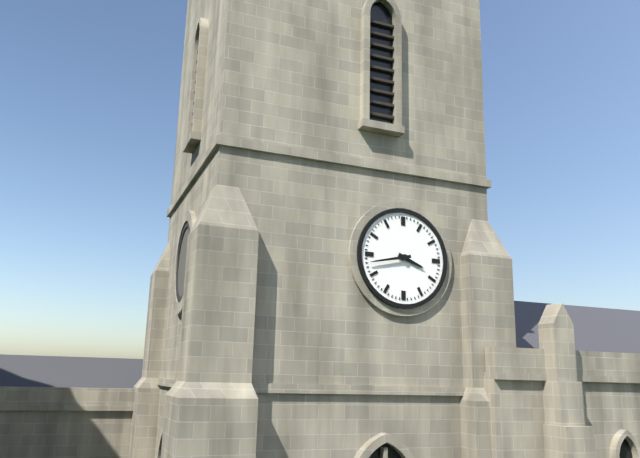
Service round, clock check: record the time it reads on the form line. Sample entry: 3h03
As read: 3h43
